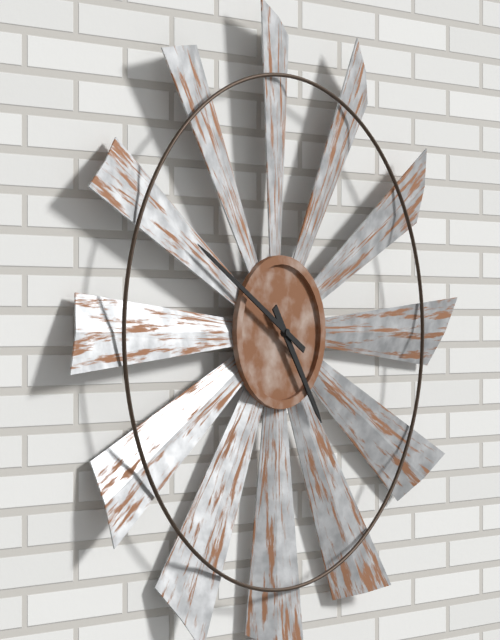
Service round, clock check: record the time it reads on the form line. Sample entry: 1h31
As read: 4h50
